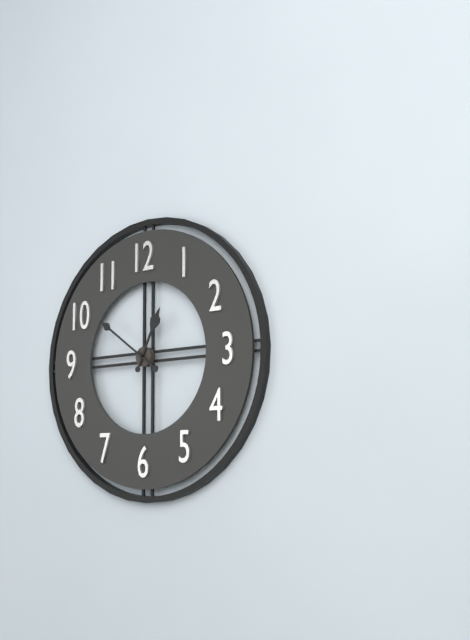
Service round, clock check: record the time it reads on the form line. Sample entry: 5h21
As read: 12h51
